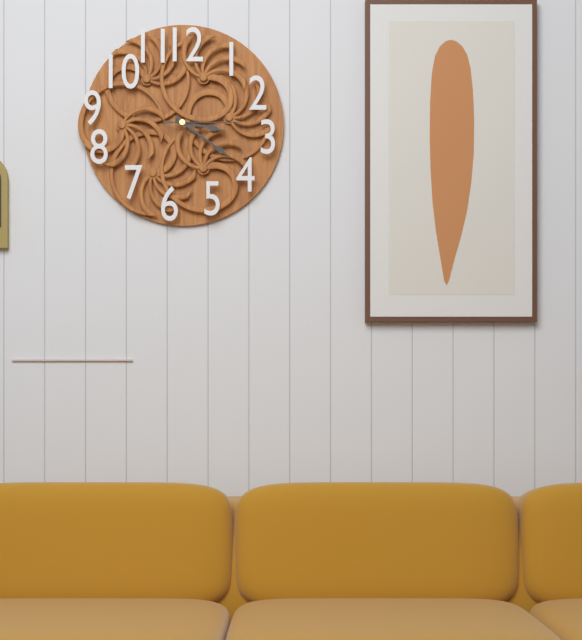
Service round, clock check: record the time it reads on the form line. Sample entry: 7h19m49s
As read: 3h21m15s
